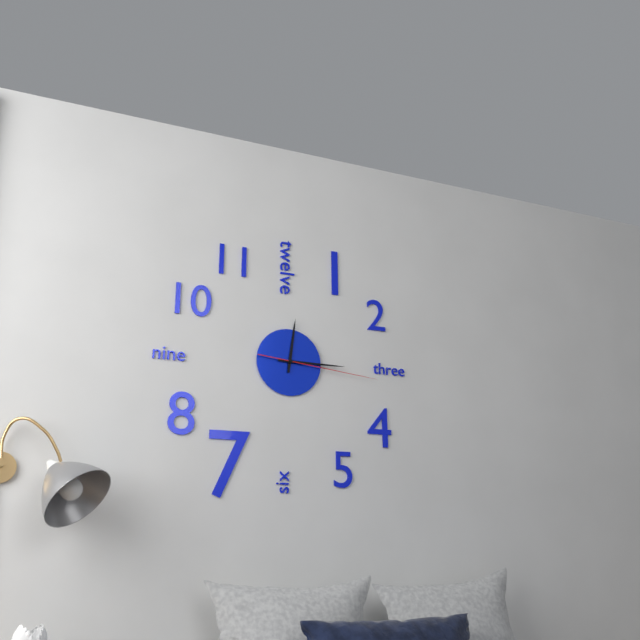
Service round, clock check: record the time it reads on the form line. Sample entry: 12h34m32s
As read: 12h15m16s
